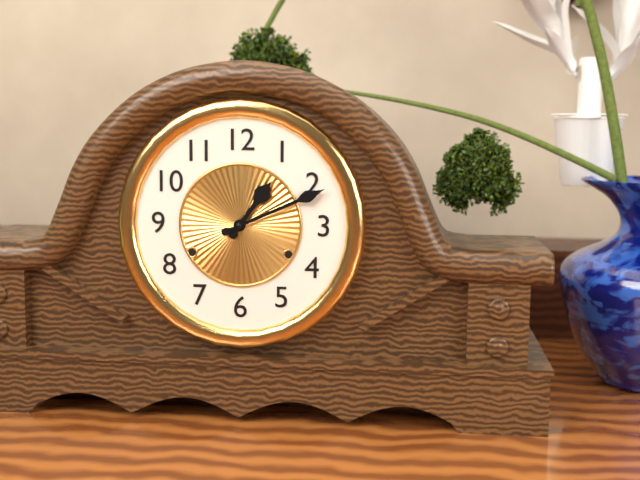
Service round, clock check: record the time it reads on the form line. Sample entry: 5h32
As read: 1h11
